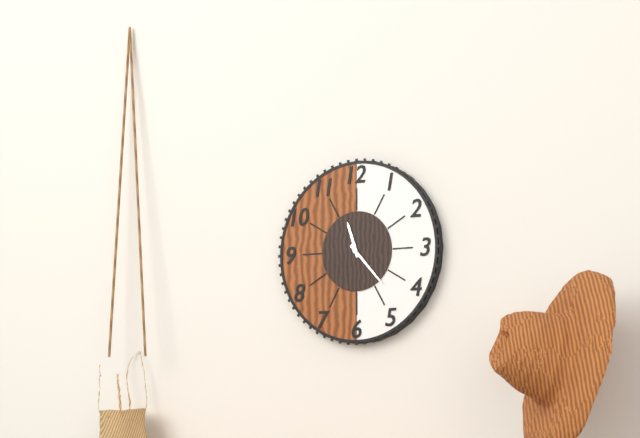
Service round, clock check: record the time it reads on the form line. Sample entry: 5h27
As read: 11h23
